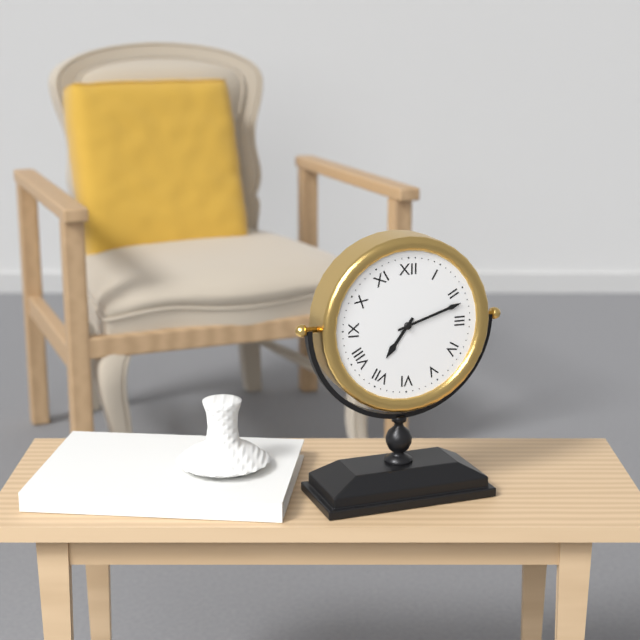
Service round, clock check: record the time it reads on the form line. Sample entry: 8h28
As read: 7h12
